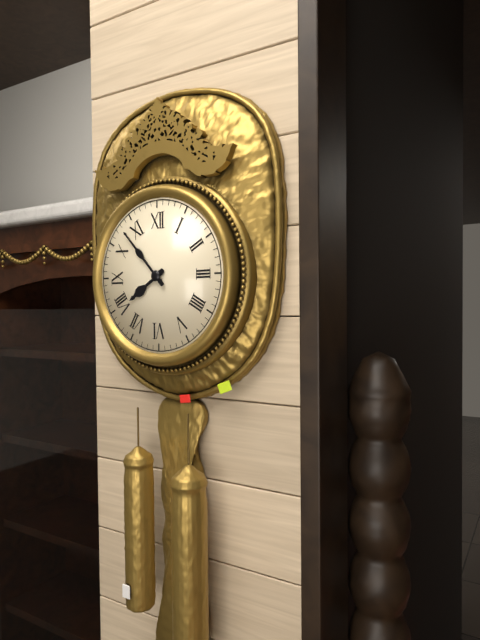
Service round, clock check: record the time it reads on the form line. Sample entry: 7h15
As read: 7h53
